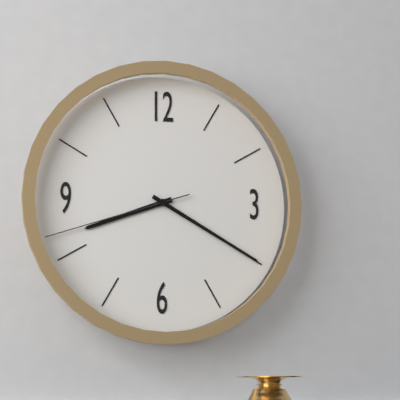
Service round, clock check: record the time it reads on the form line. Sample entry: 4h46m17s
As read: 8h20m42s
